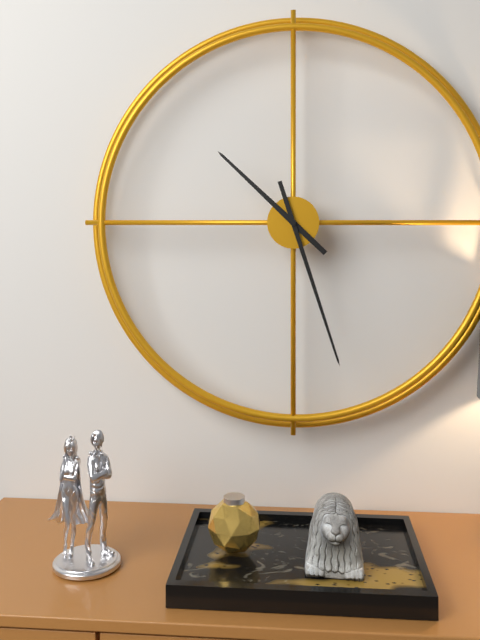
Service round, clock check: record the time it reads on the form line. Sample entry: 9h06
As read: 10h27
